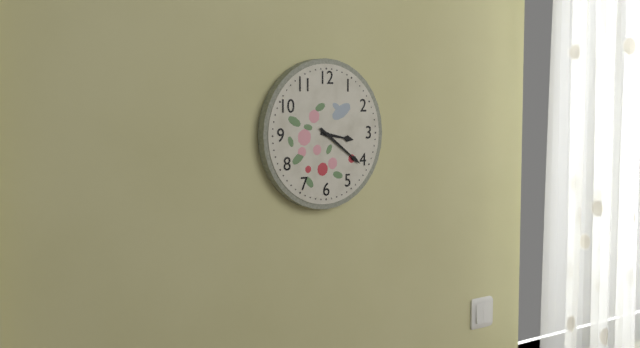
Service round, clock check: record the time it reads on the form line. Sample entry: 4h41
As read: 3h21
